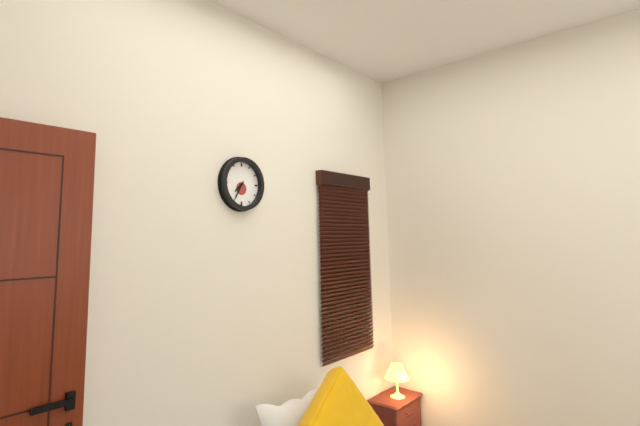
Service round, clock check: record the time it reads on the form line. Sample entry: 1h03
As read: 7h35
